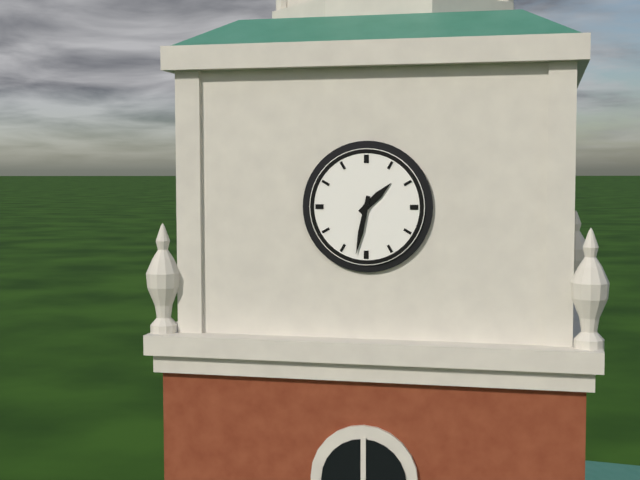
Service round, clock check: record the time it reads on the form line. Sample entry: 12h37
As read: 1h32
